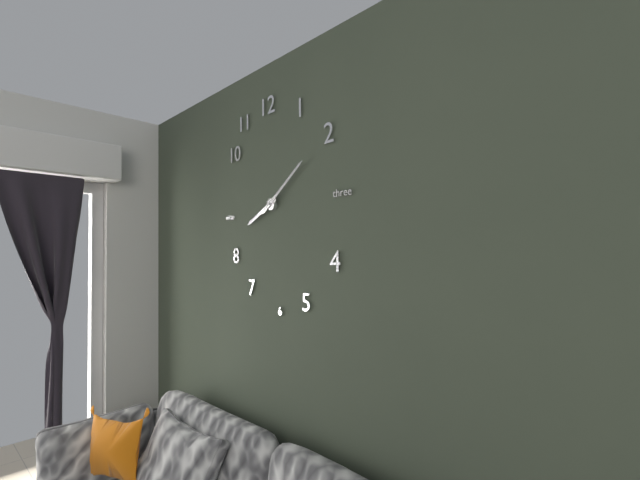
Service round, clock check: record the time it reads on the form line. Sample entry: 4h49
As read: 8h09
